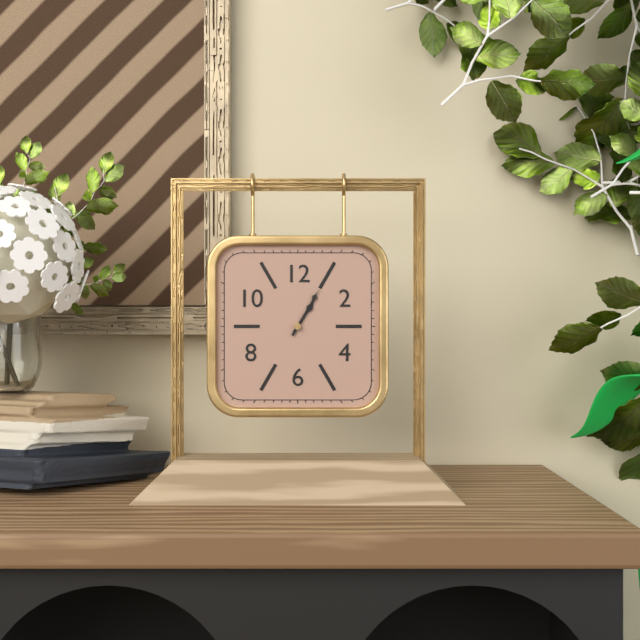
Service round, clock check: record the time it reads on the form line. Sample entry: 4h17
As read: 1h05
